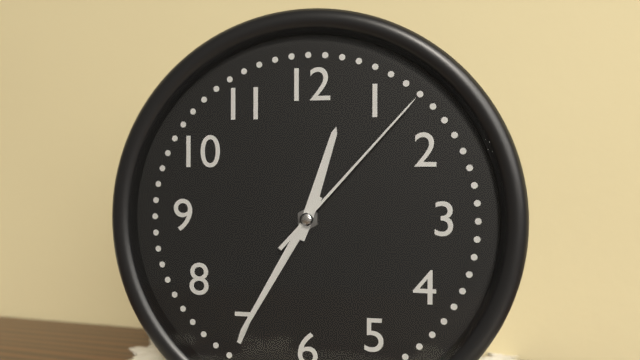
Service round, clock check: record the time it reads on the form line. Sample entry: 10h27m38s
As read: 12h35m07s
